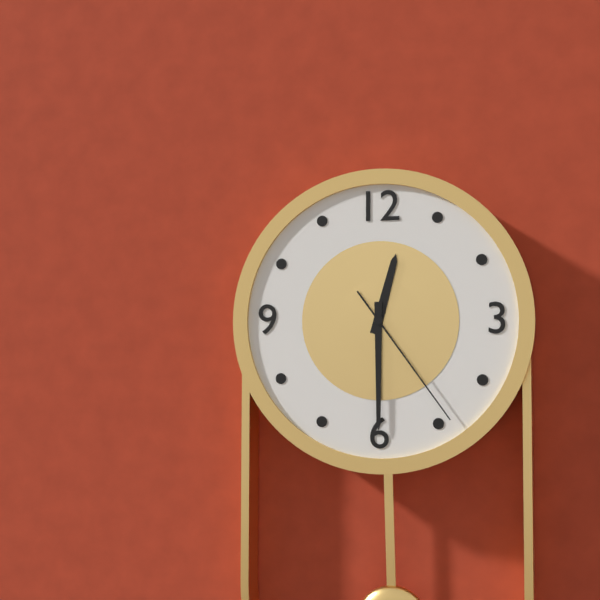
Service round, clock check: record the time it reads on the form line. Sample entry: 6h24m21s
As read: 12h30m24s
